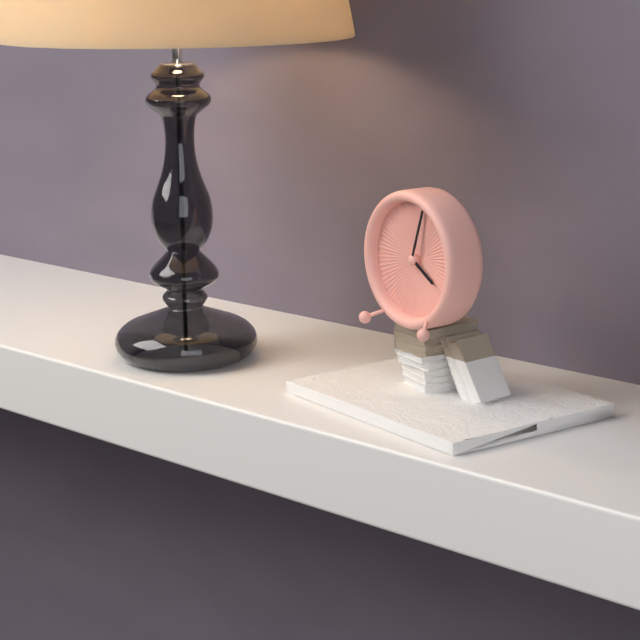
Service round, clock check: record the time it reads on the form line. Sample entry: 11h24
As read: 4h03
